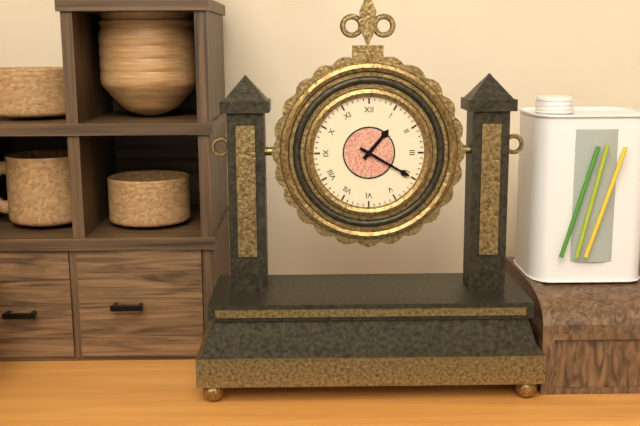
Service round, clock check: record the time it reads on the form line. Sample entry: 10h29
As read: 1h20
